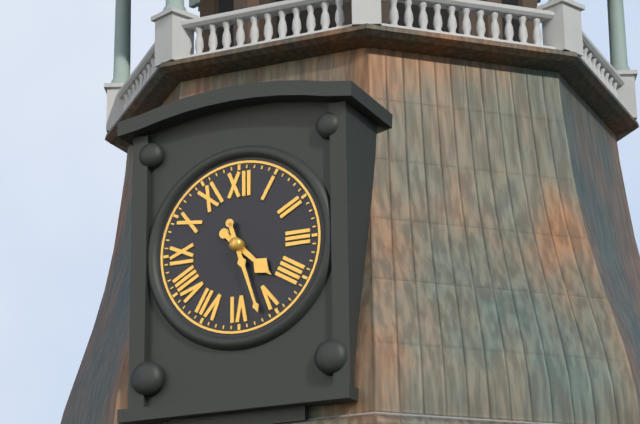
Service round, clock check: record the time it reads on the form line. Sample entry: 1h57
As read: 4h27
